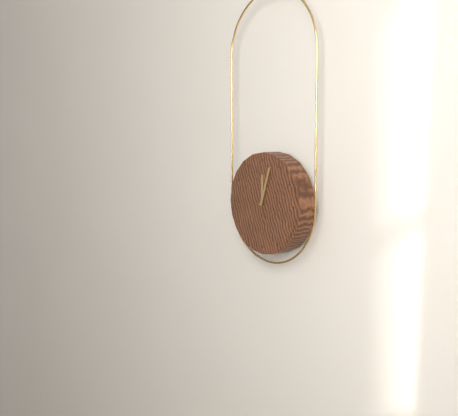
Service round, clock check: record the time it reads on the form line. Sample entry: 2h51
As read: 12h03
